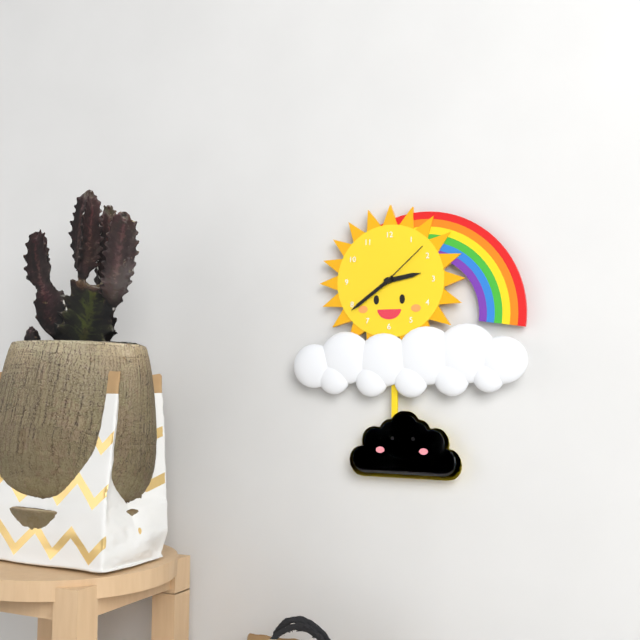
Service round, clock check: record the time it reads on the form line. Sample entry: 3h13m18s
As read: 2h39m08s
